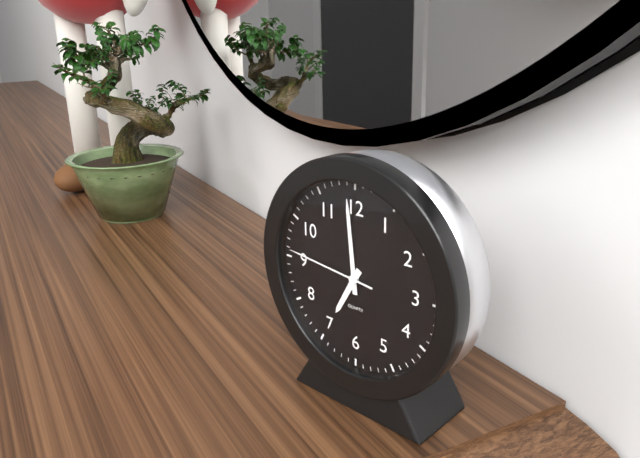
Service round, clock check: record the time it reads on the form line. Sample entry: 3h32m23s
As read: 6h59m46s
